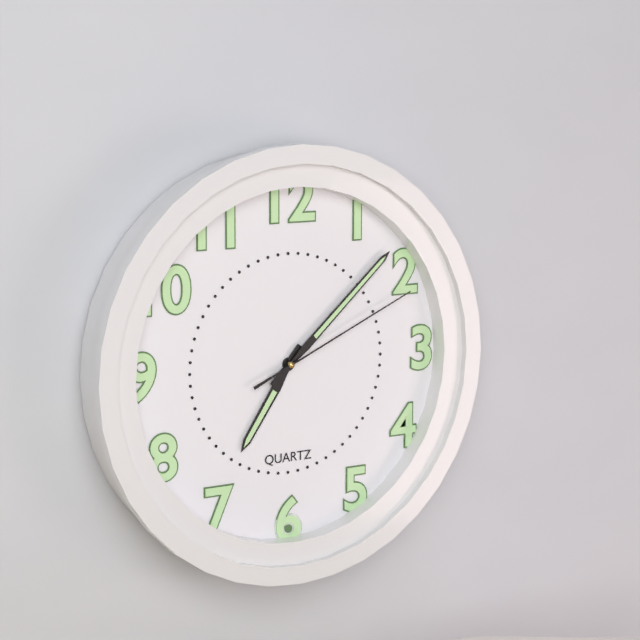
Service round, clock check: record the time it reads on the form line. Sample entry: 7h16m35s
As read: 7h08m11s
